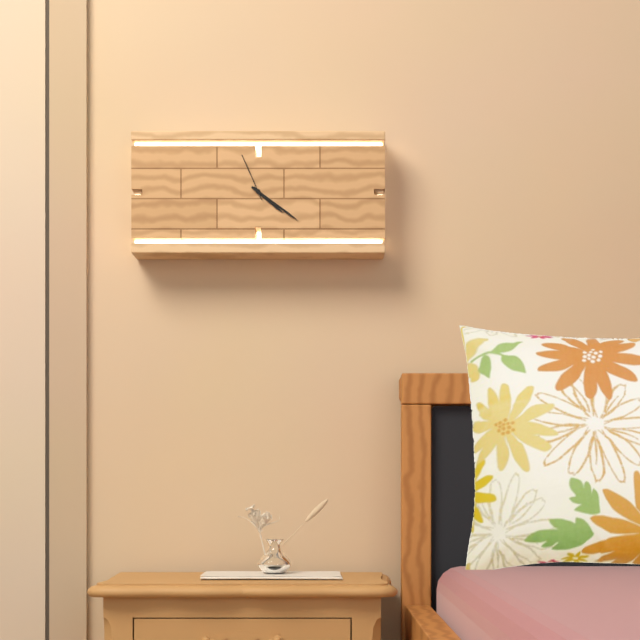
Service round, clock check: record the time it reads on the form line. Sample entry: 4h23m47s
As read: 4h21m56s
